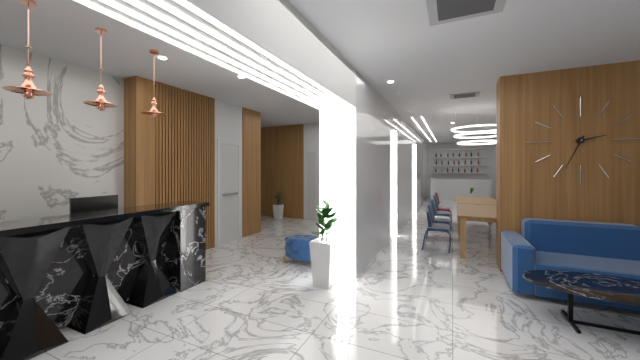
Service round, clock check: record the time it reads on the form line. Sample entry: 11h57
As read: 2h34
